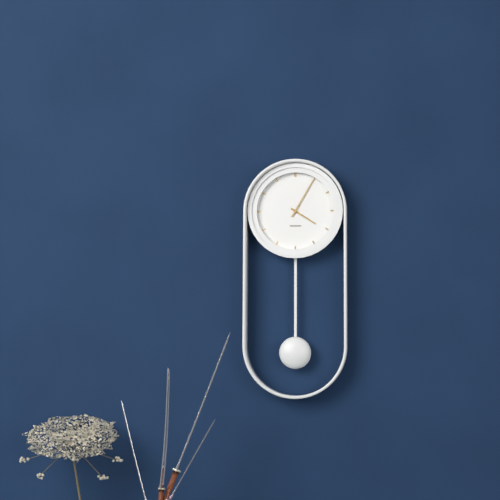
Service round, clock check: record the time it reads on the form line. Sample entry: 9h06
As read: 4h05
